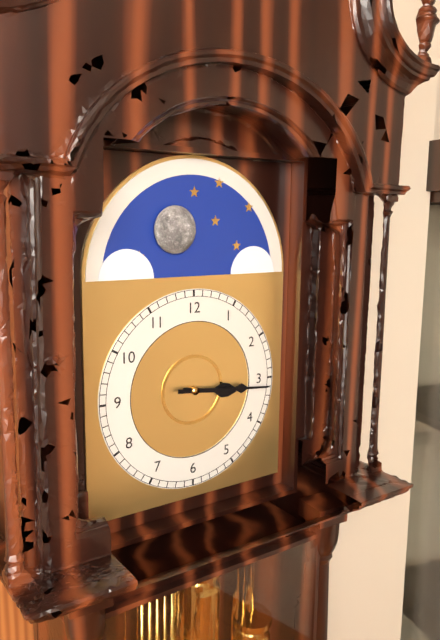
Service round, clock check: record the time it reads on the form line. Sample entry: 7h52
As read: 3h16
